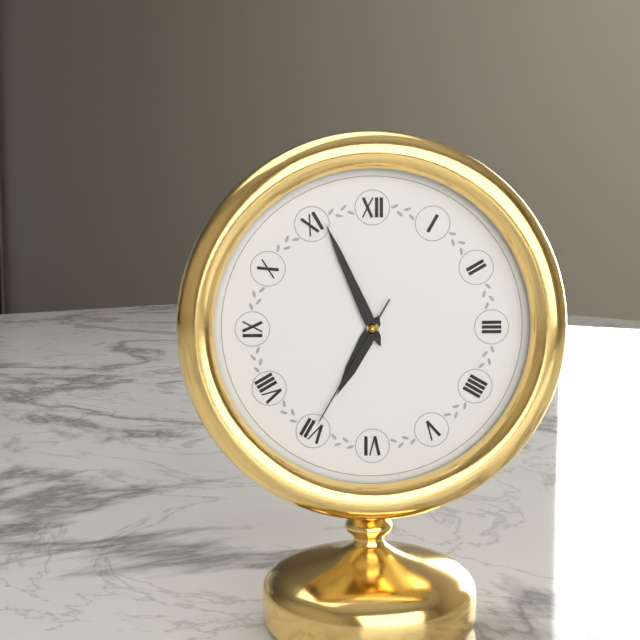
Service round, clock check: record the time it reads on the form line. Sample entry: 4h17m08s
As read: 6h56m35s
